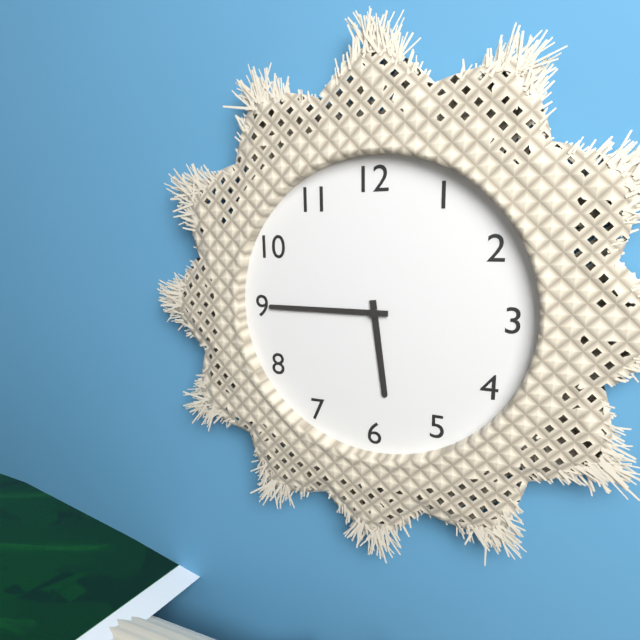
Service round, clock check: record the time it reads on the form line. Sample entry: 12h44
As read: 5h45
